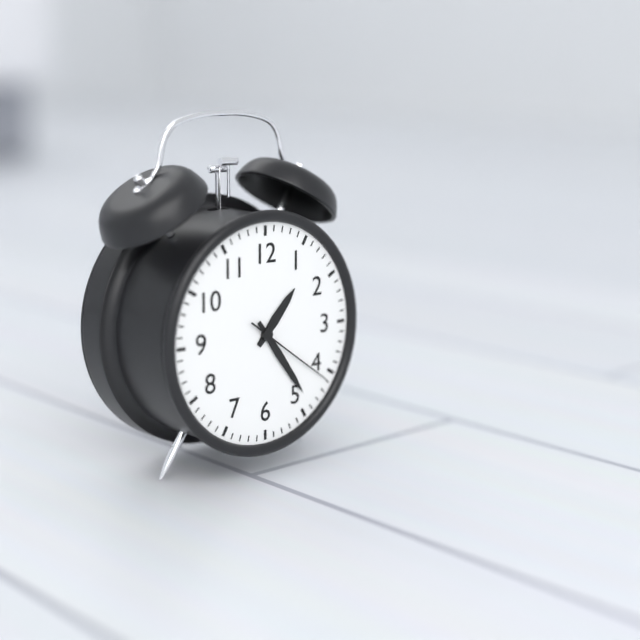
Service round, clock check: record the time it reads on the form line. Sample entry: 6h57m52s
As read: 1h24m21s
